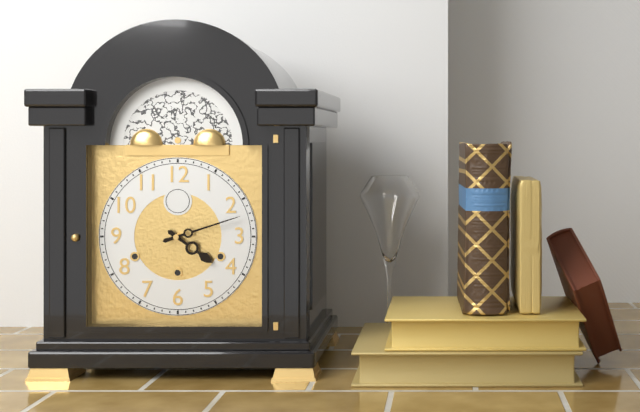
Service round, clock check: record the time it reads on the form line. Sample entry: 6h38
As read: 4h12
